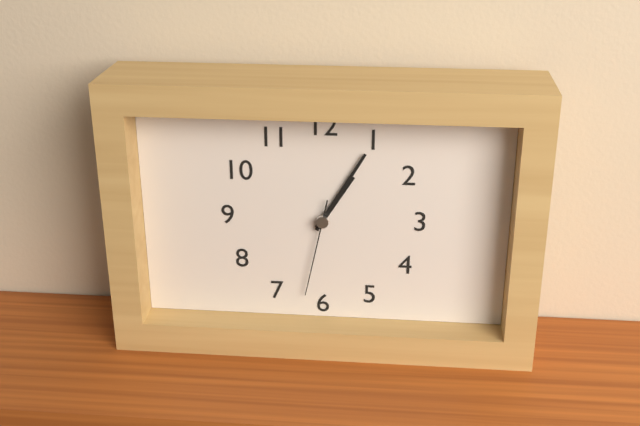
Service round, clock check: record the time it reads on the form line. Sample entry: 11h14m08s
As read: 1h05m32s
